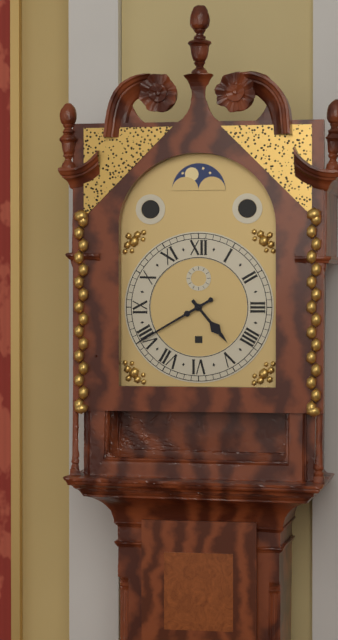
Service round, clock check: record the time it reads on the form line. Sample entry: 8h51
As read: 4h40
